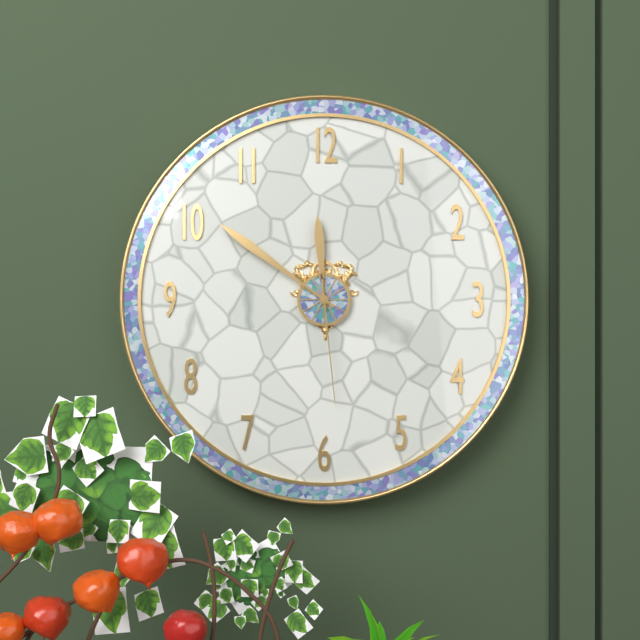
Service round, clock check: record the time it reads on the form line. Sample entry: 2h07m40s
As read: 11h51m29s
